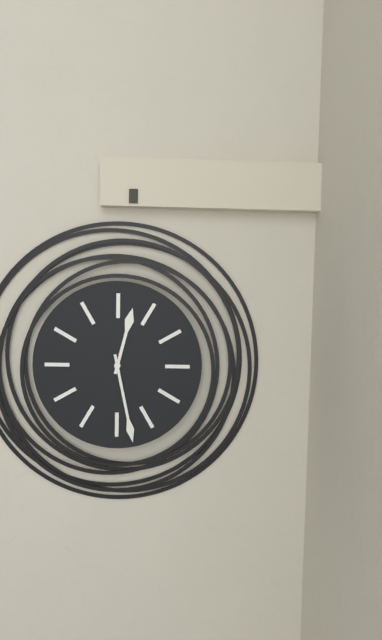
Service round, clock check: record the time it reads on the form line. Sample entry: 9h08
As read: 12h28
